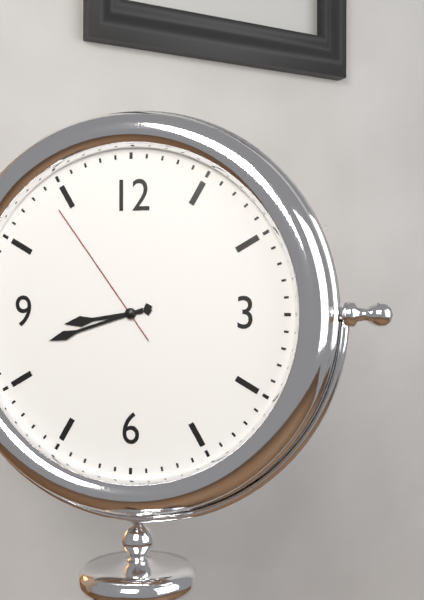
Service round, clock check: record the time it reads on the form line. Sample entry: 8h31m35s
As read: 8h42m54s
